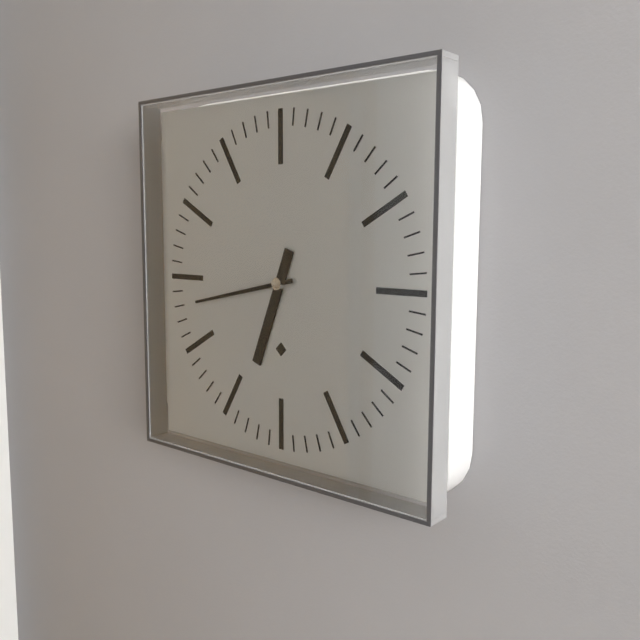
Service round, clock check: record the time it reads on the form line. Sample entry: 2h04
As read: 6h43
